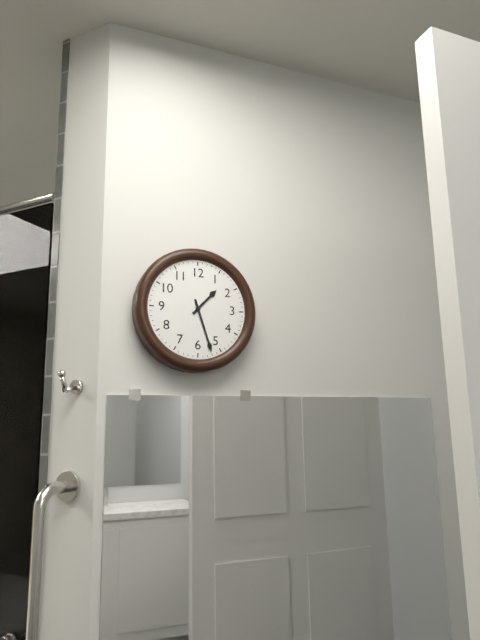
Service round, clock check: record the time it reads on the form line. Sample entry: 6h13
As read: 1h27
